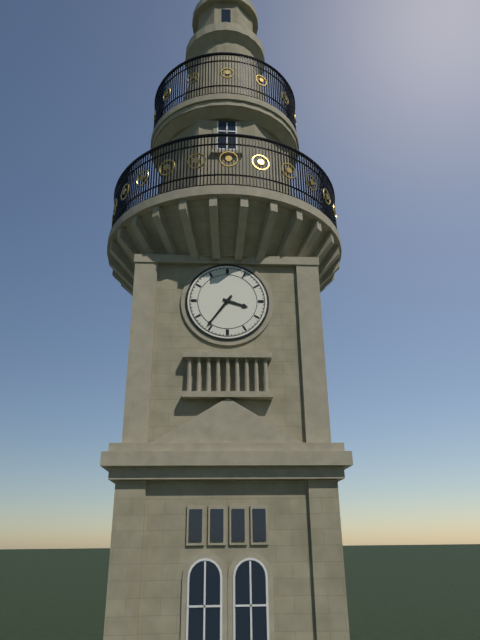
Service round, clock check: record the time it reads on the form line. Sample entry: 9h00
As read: 3h36
